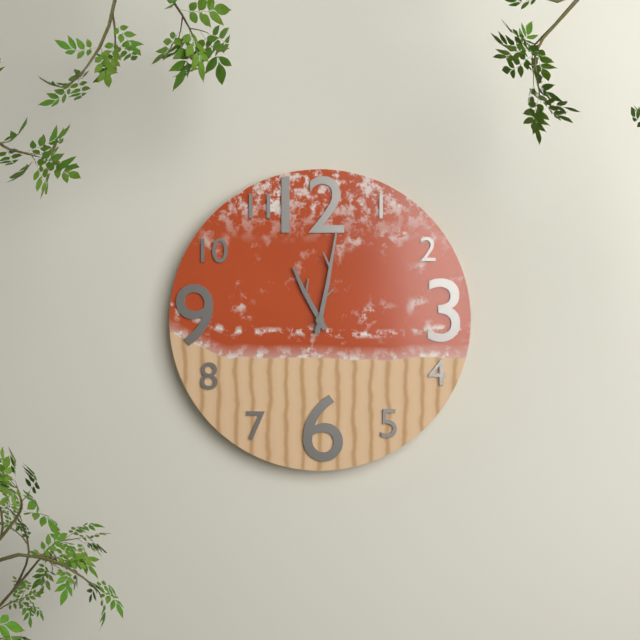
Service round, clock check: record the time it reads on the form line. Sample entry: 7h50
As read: 11h02
